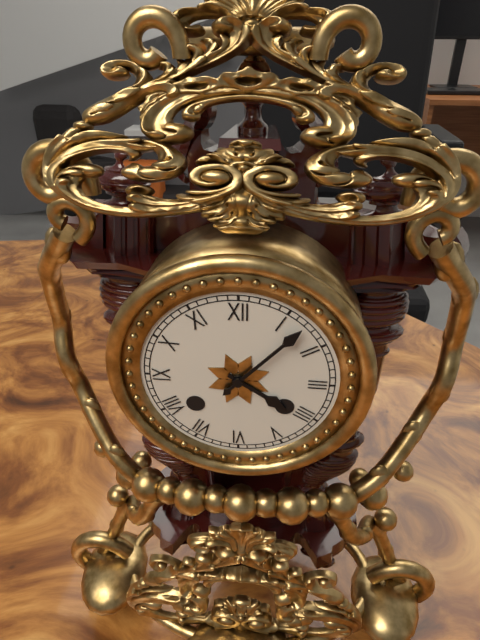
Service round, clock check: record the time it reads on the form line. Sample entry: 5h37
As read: 4h07
